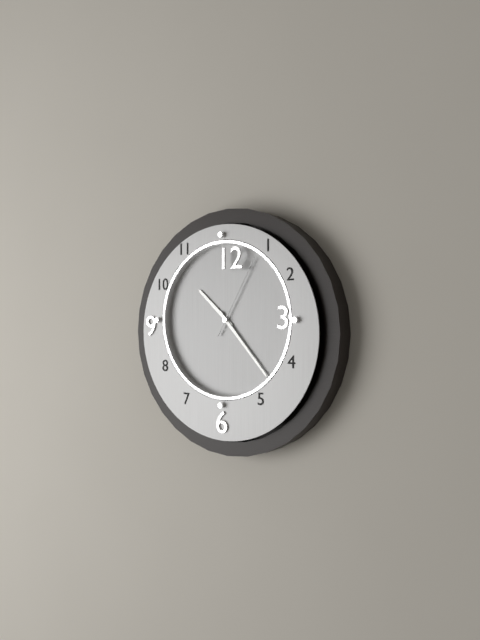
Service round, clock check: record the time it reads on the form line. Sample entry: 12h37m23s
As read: 10h23m05s
